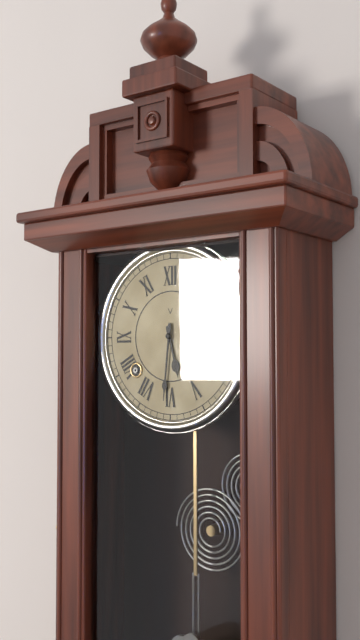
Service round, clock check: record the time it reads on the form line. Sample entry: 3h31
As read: 5h31
